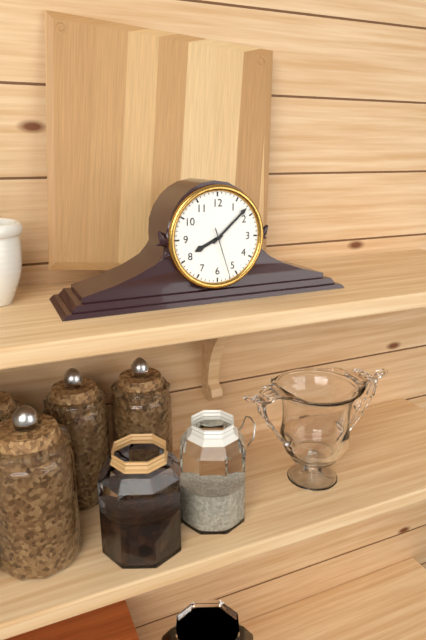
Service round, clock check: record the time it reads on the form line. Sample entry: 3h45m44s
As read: 8h08m27s
